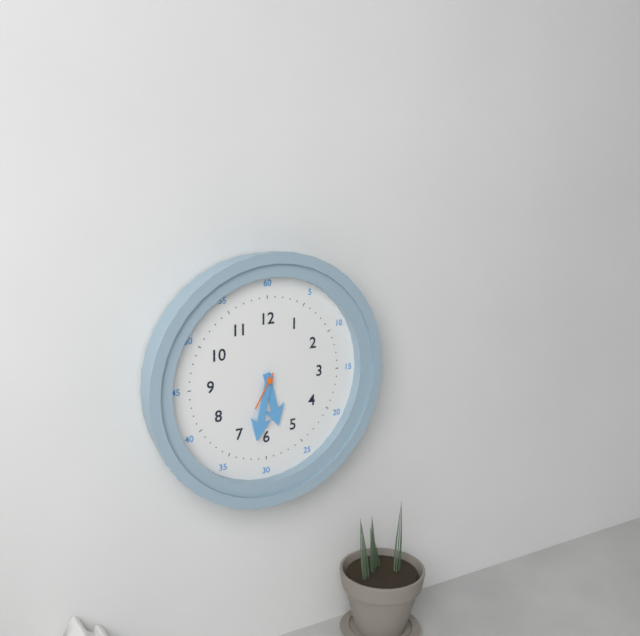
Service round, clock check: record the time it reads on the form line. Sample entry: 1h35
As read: 5h32
